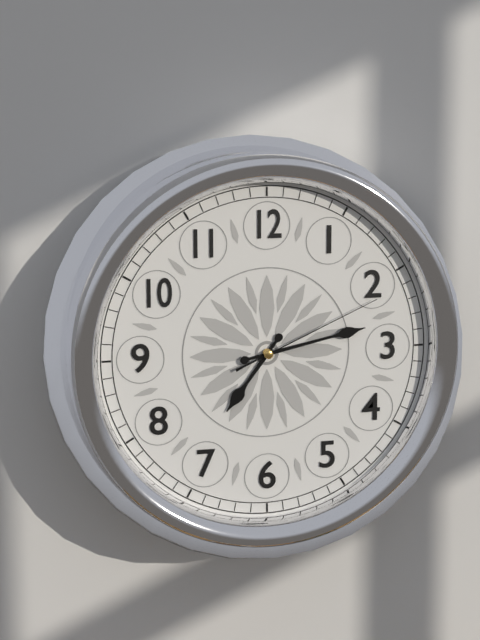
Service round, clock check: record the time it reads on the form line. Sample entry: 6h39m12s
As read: 7h13m11s
